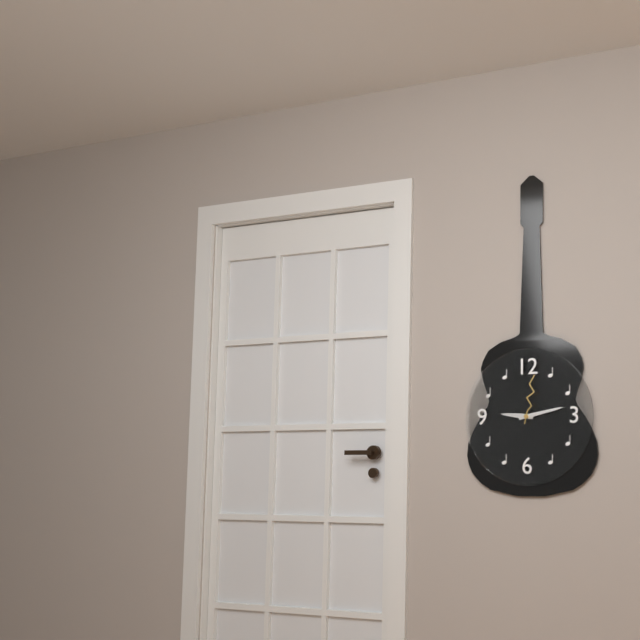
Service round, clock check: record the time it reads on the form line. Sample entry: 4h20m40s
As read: 9h13m02s
